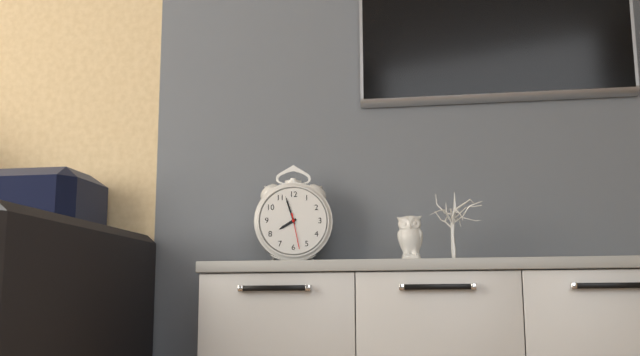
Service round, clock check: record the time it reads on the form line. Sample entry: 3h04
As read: 7h57
